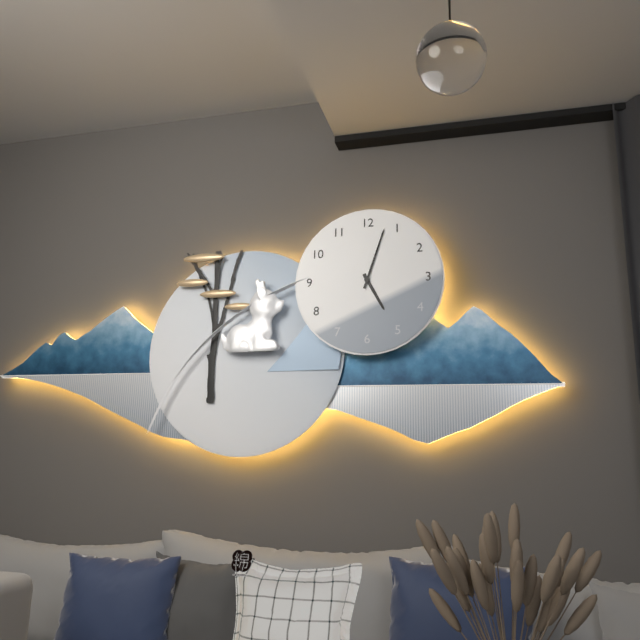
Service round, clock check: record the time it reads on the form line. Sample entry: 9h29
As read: 5h03
